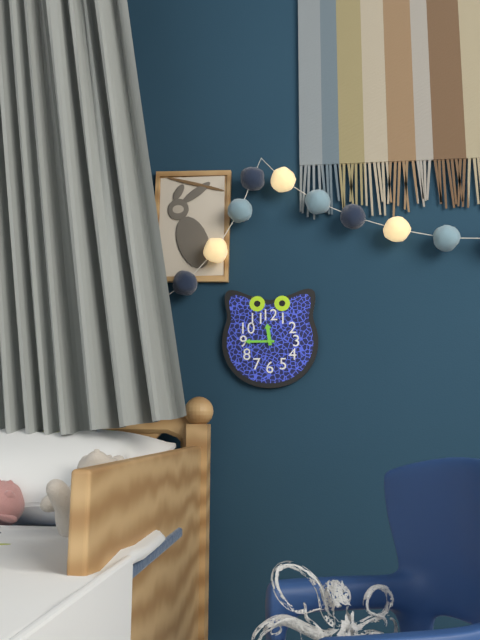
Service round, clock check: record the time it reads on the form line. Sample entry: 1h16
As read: 11h45
